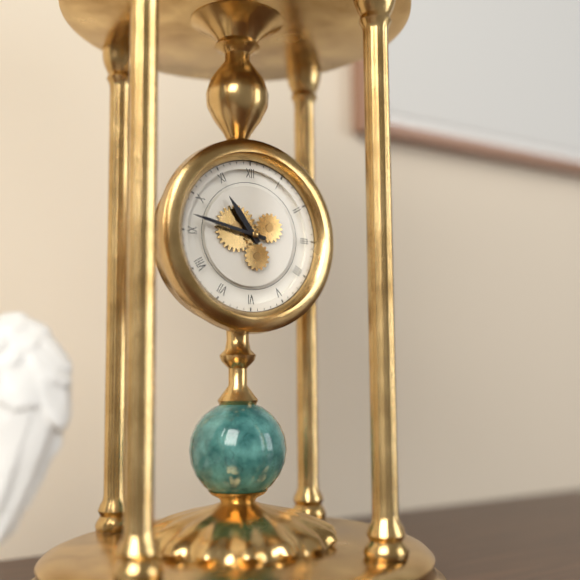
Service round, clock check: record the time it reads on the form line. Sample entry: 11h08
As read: 10h47
